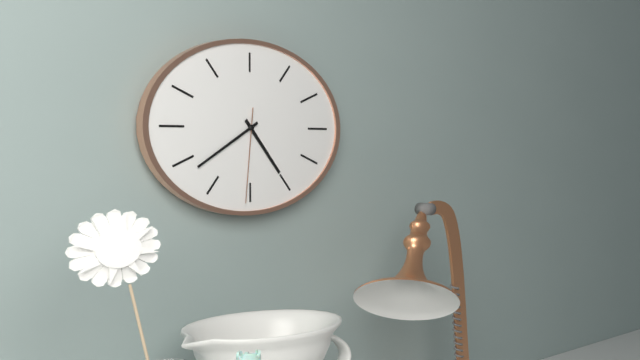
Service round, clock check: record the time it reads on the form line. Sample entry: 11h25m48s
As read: 4h40m31s
